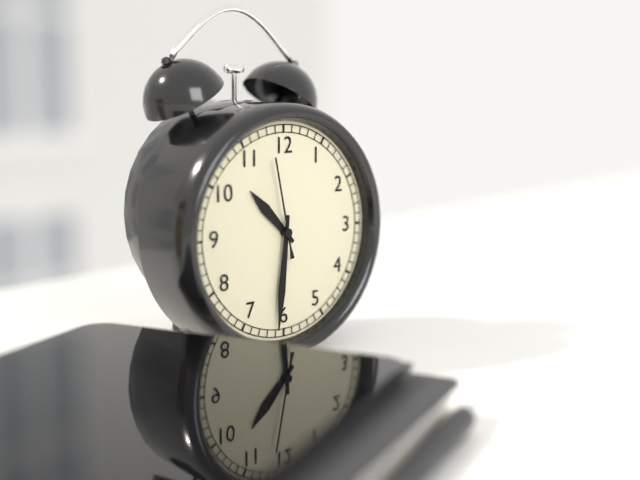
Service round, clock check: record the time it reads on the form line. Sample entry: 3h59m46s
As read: 10h31m58s
